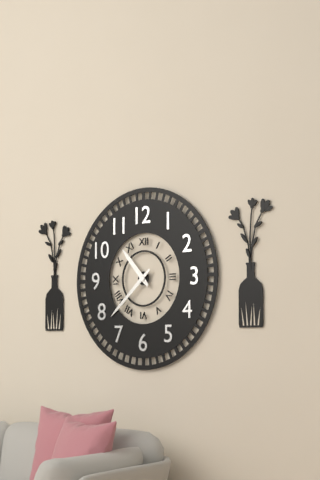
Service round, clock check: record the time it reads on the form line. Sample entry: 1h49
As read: 10h38
